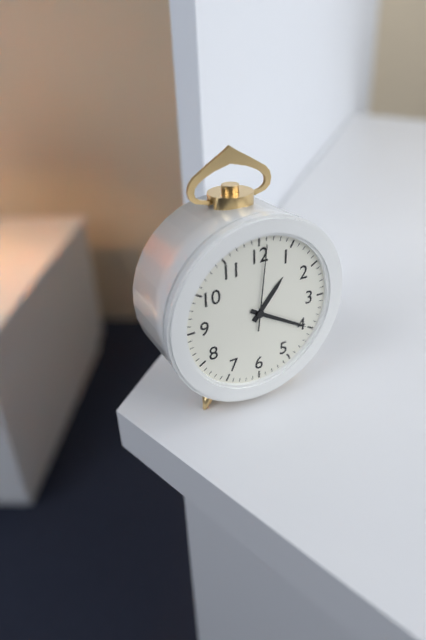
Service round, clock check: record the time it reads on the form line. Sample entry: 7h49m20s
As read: 1h20m01s
